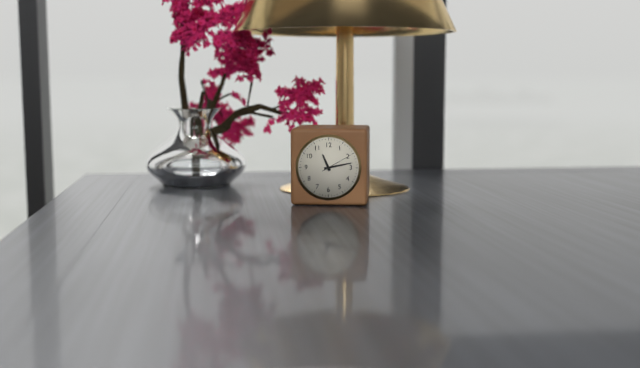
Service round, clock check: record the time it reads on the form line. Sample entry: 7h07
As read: 11h13
